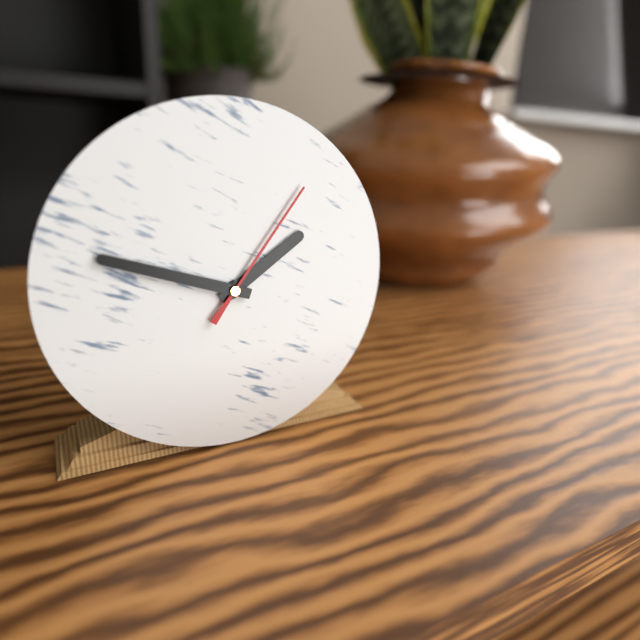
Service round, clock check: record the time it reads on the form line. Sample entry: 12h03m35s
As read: 1h48m06s
